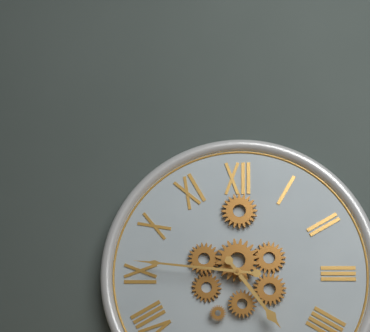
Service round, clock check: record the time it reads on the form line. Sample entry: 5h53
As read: 4h46
